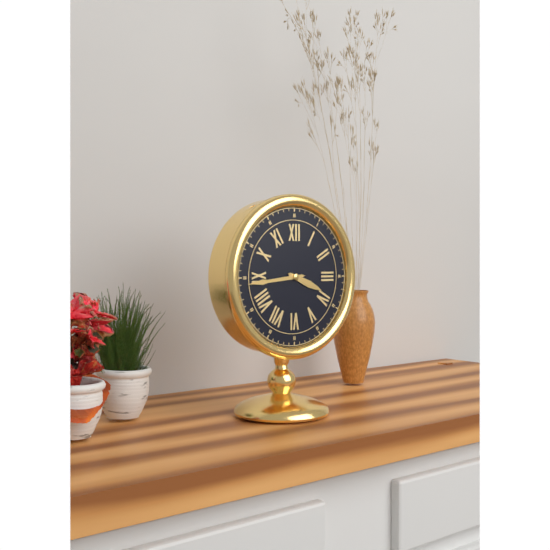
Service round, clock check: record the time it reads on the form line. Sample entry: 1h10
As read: 3h44
